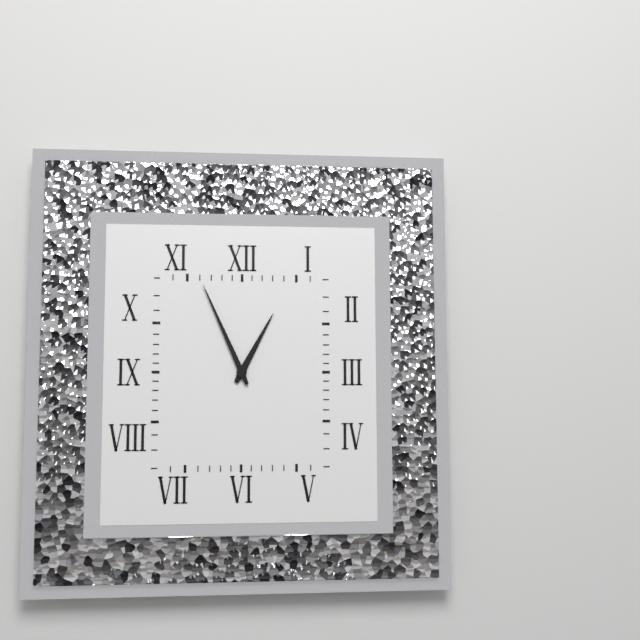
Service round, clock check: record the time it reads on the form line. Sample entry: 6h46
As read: 12h56
